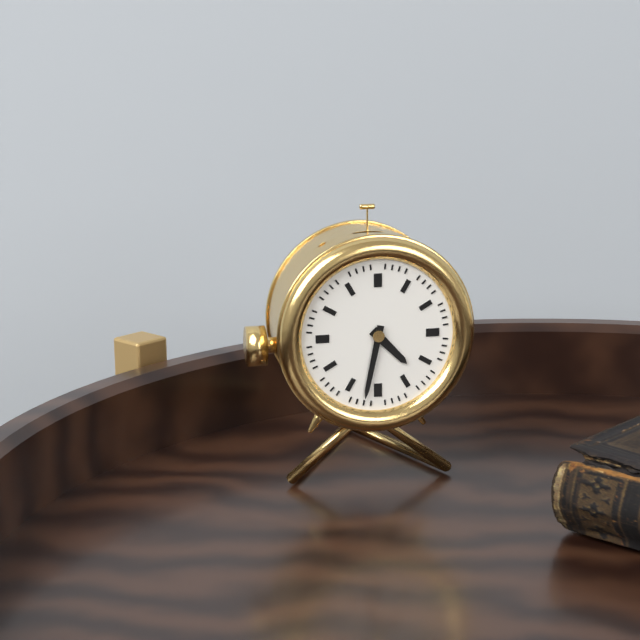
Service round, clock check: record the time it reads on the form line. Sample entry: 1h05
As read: 4h32
